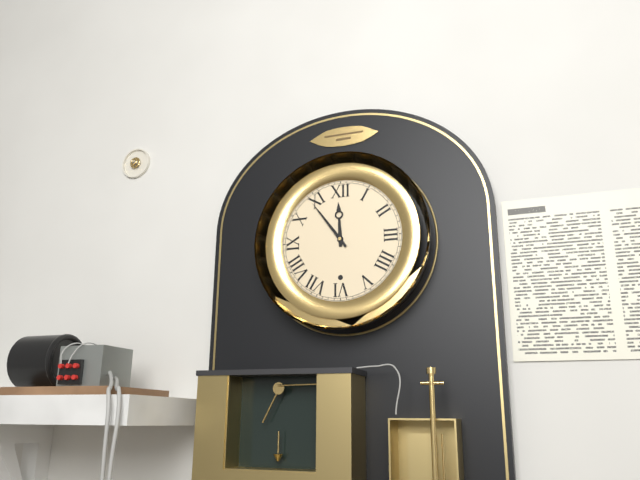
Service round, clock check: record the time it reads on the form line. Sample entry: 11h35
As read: 11h54
